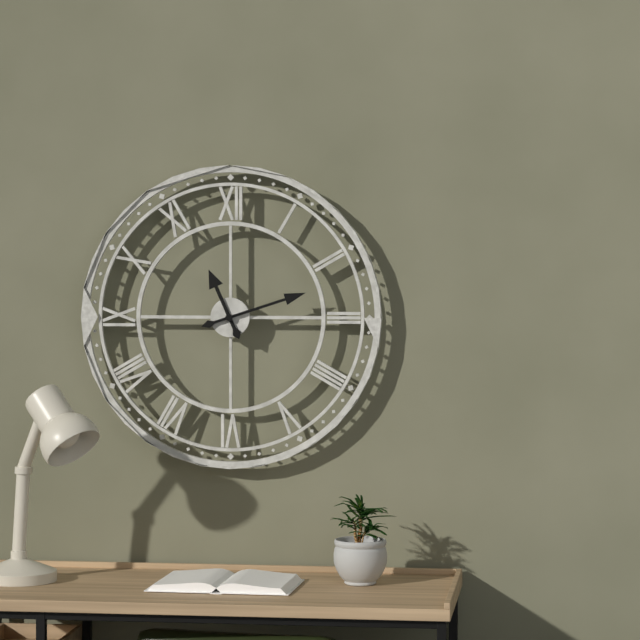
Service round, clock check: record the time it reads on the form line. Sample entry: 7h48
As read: 11h12
